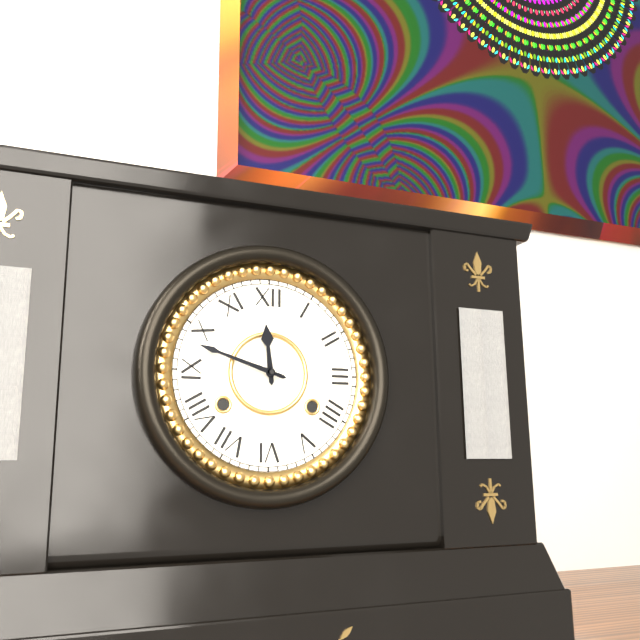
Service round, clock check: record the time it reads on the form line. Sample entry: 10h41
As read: 11h48
